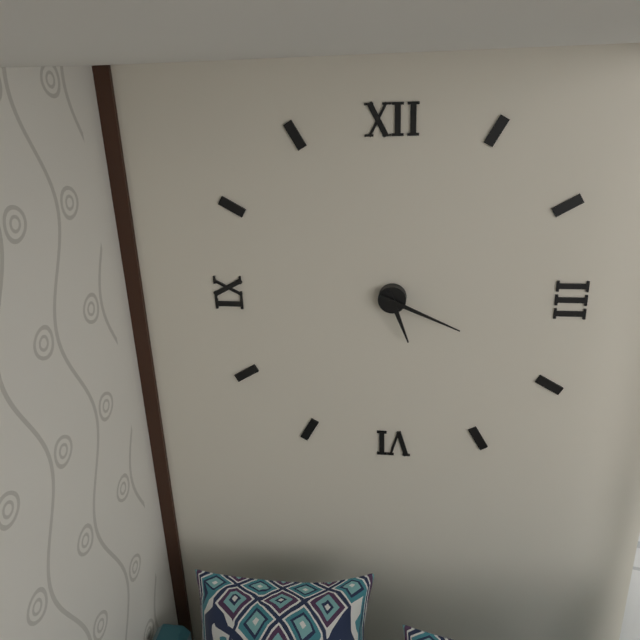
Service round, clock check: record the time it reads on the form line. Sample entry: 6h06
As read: 5h19
